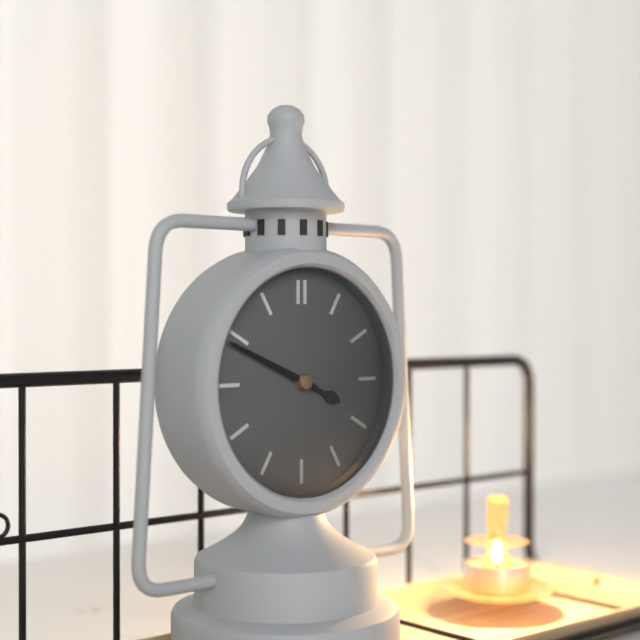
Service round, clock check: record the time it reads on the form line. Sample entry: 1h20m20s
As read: 3h49m49s
